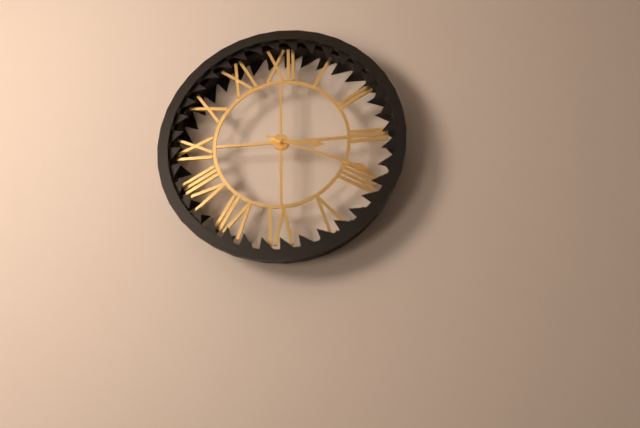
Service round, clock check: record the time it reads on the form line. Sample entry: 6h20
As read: 3h19
